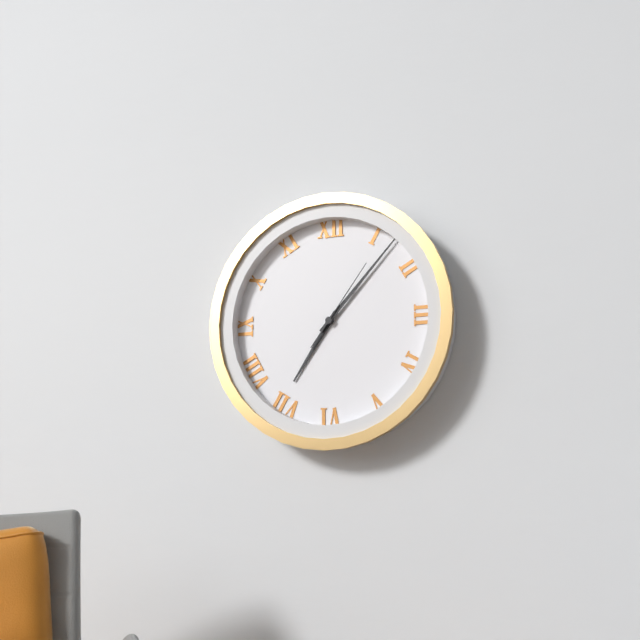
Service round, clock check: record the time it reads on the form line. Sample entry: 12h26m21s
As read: 7h07m06s
